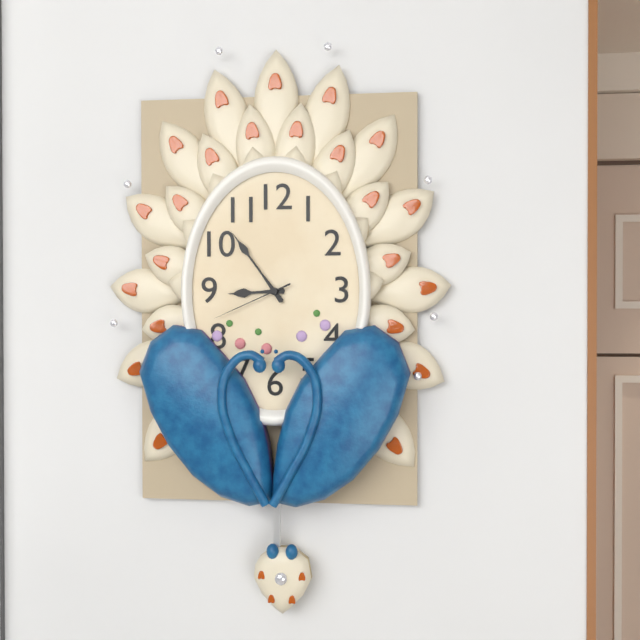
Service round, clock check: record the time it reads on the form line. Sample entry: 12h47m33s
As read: 8h54m41s
